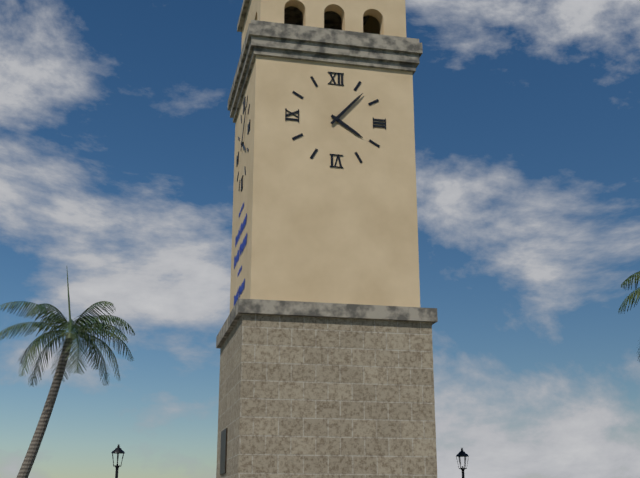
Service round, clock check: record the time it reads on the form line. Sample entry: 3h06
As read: 4h07
